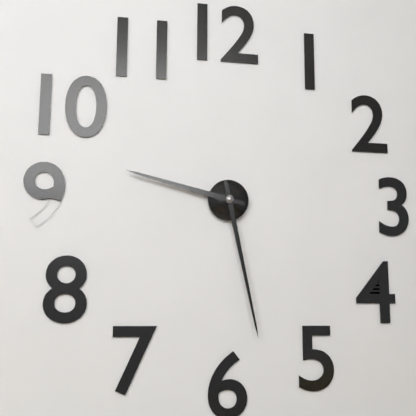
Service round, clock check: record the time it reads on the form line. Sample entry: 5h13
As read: 9h28
